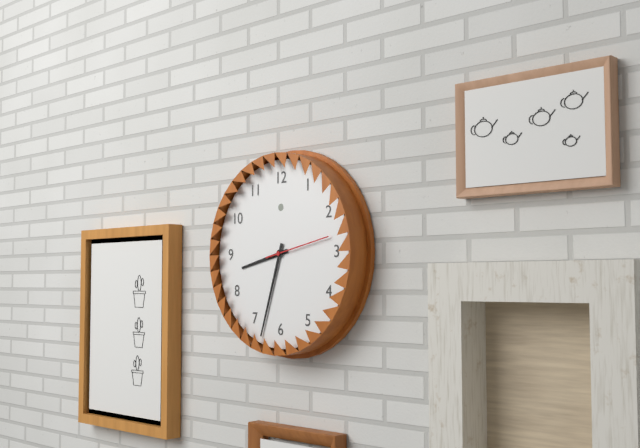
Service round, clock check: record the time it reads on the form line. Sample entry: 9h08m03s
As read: 8h33m13s
